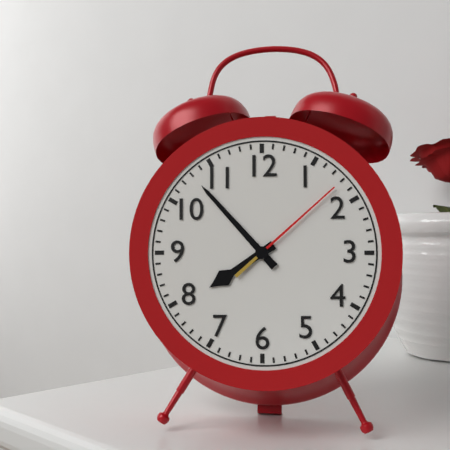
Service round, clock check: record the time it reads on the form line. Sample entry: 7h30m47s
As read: 7h53m08s
